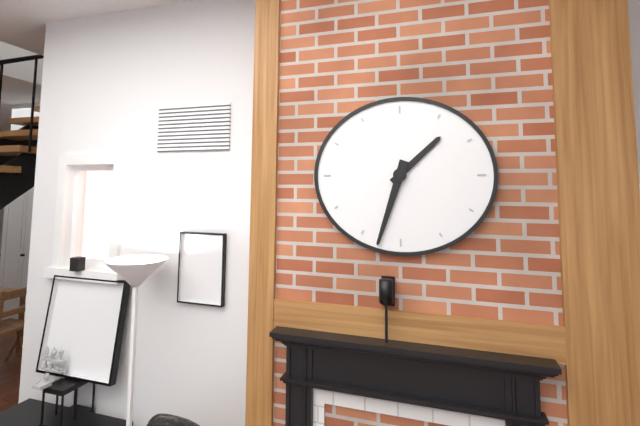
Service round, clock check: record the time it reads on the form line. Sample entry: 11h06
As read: 1h33
